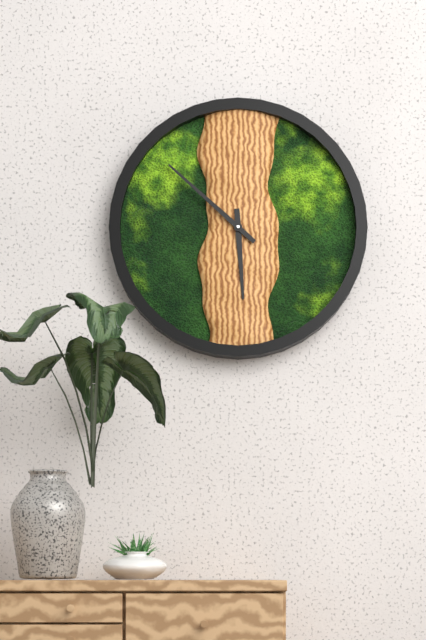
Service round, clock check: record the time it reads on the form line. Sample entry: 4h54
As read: 5h52
